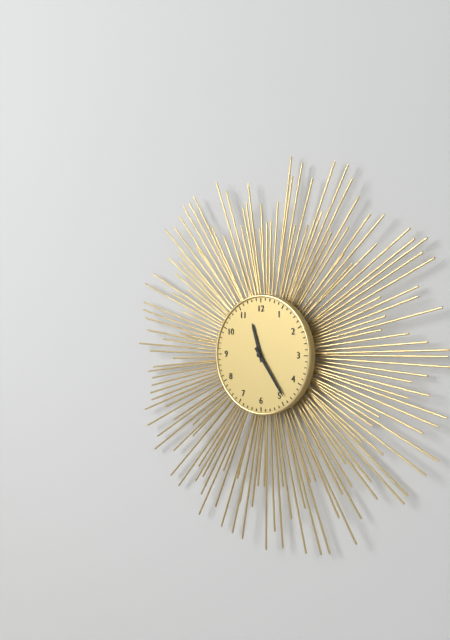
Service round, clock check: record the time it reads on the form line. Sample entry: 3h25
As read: 11h24
